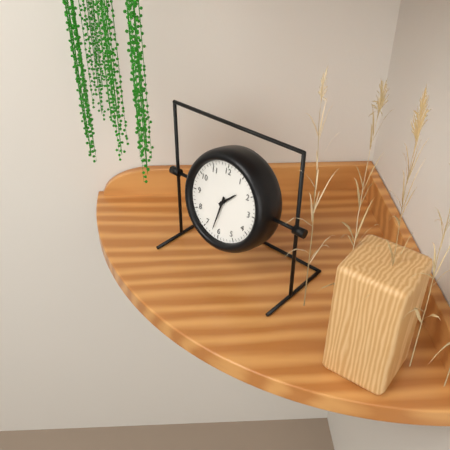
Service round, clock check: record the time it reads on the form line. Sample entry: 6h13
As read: 1h32
